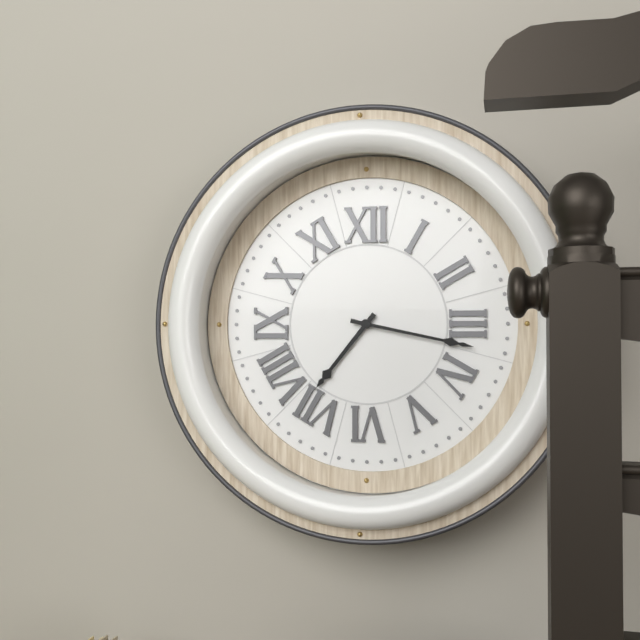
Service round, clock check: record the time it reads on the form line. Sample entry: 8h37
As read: 7h17
